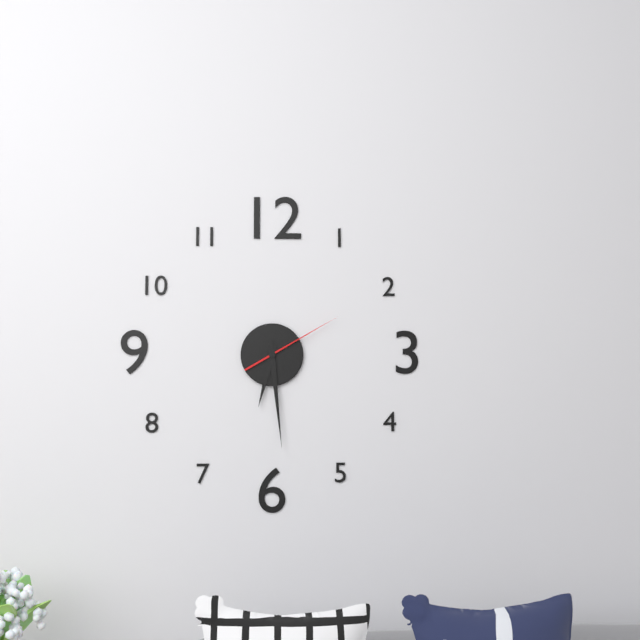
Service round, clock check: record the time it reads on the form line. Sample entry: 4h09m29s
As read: 6h29m10s
